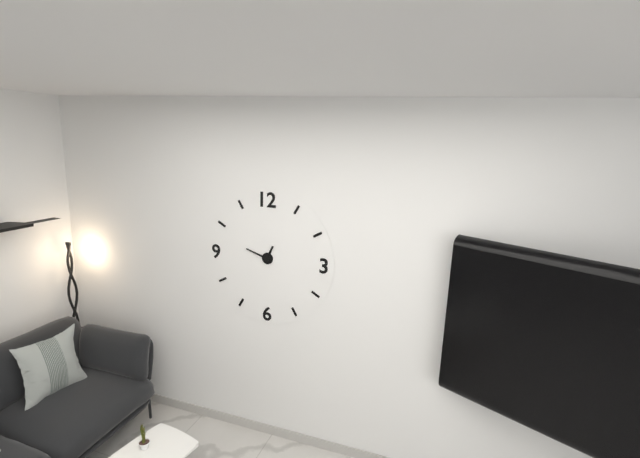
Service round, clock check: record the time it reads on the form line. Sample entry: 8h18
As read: 12h48
